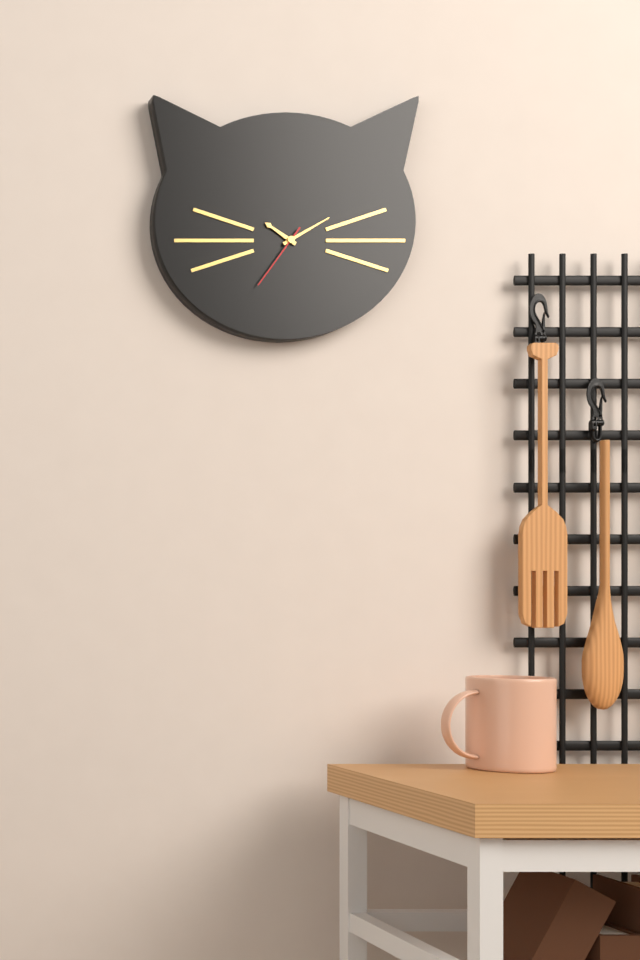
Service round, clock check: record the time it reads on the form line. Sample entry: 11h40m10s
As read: 10h10m36s
